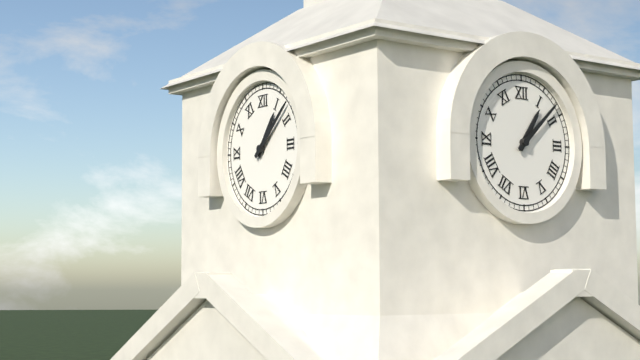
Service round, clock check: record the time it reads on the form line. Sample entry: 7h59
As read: 1h08
